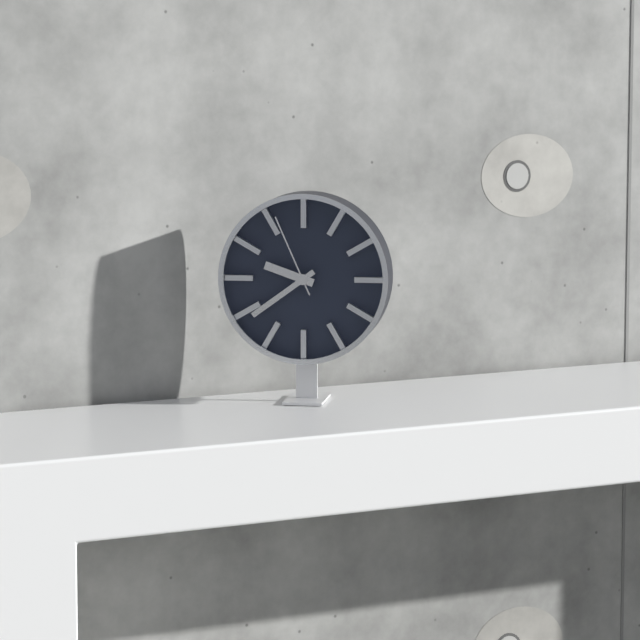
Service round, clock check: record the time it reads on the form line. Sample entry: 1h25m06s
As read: 9h39m56s
